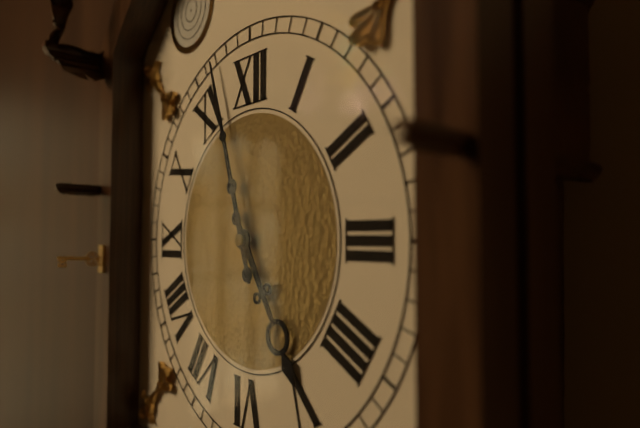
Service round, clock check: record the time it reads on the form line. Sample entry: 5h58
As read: 4h57
